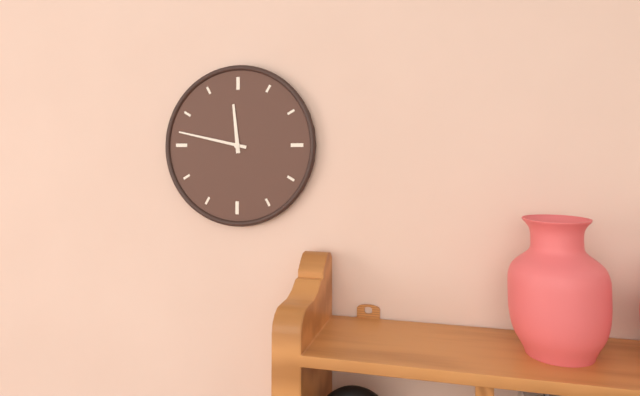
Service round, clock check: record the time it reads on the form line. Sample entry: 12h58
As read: 11h47
